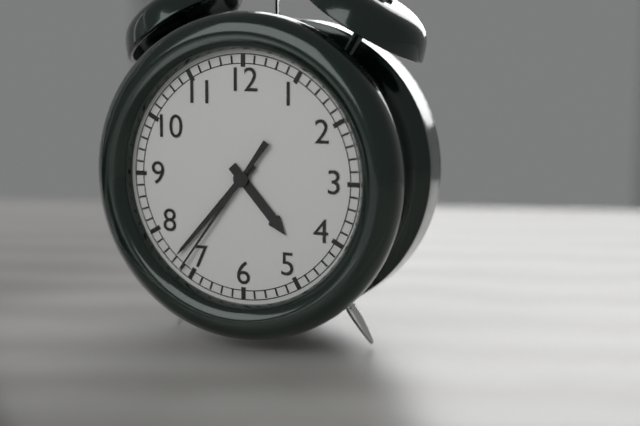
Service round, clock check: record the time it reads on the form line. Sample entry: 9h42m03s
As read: 4h37m36s
